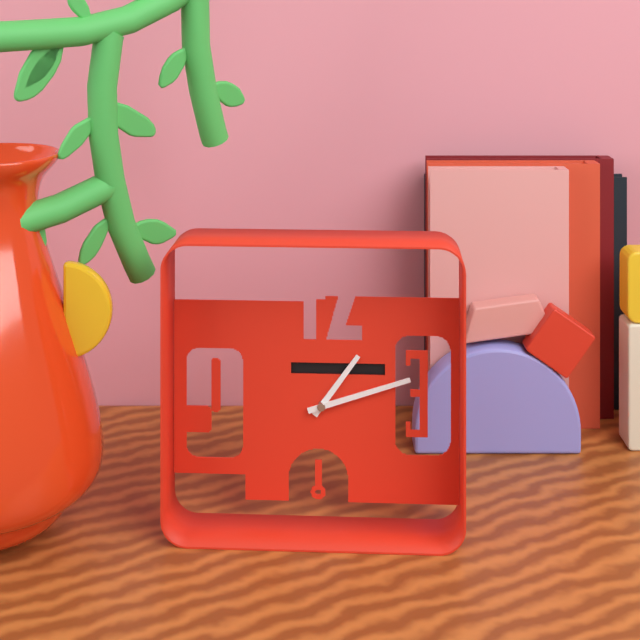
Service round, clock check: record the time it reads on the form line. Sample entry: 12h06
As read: 1h12
